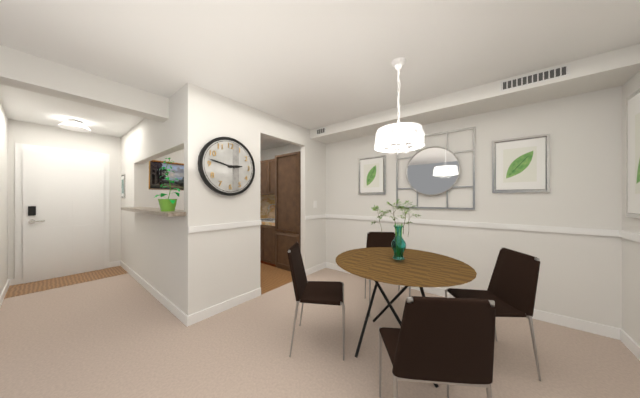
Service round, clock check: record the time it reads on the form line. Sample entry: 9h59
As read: 2h47
